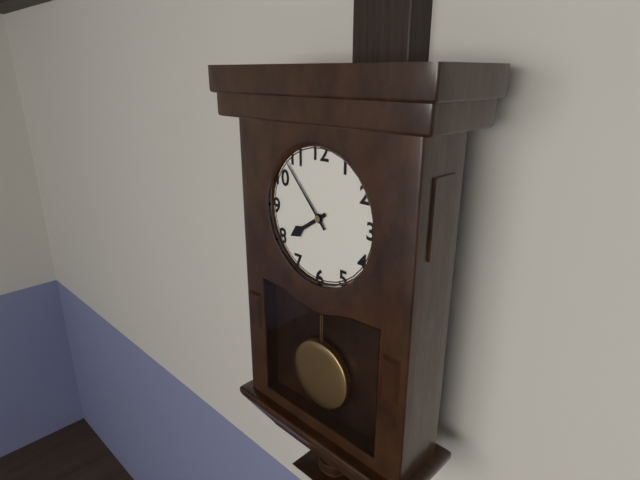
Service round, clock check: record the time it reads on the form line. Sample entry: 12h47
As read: 7h53
